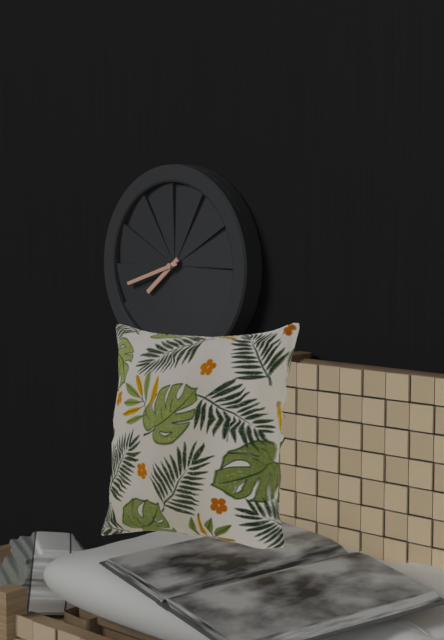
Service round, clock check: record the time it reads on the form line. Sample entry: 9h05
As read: 7h42
